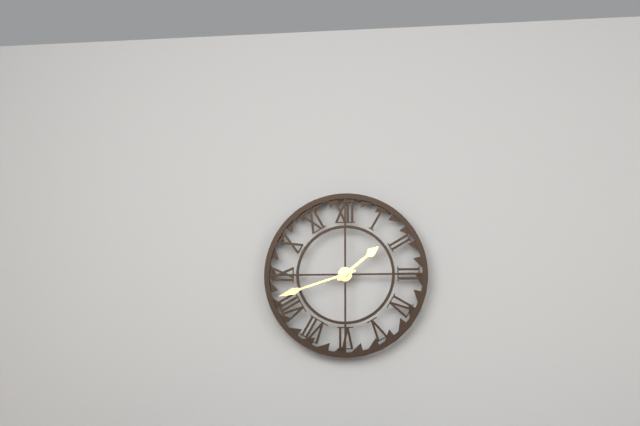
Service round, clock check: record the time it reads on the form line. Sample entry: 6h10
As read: 1h42
